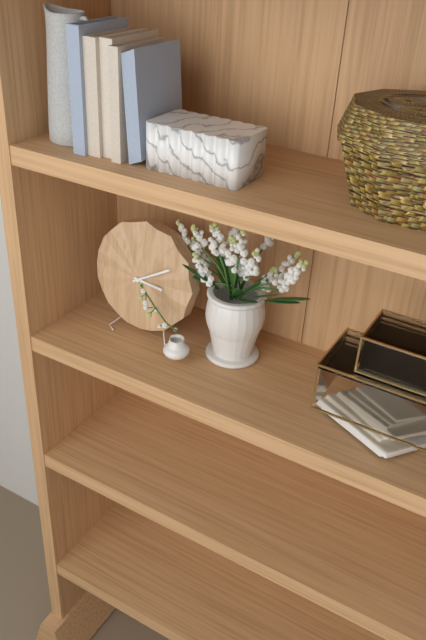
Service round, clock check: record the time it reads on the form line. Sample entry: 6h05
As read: 3h10
